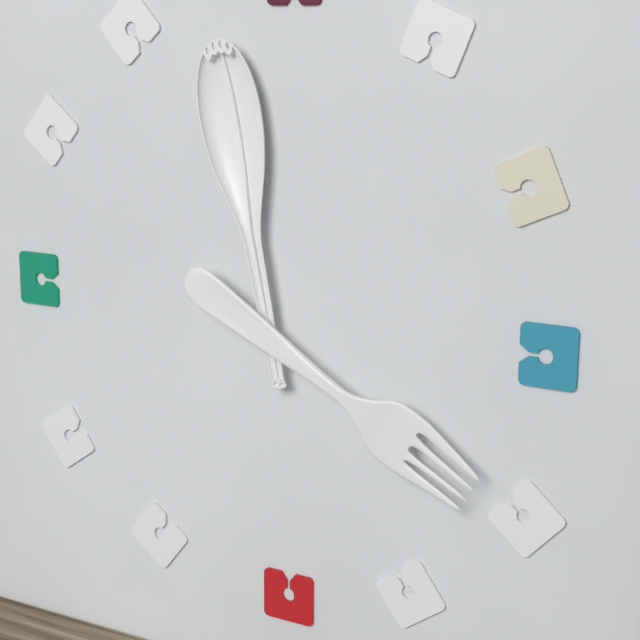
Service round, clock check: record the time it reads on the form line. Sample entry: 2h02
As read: 3h58
